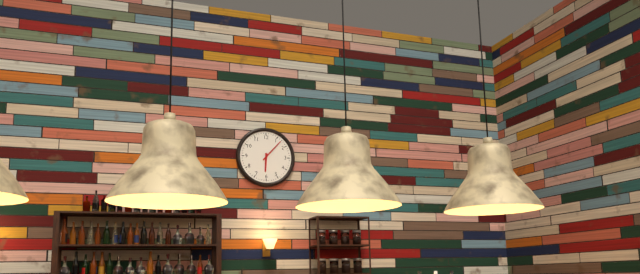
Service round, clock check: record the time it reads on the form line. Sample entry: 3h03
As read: 6h07
